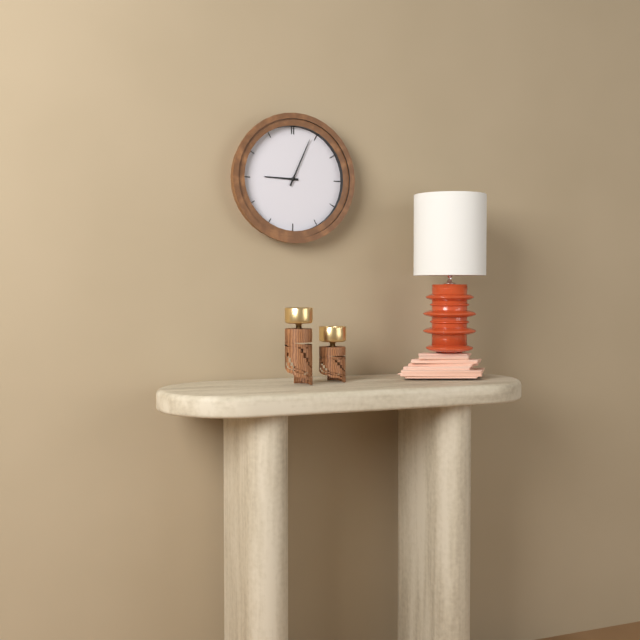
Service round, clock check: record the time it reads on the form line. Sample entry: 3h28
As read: 9h04
